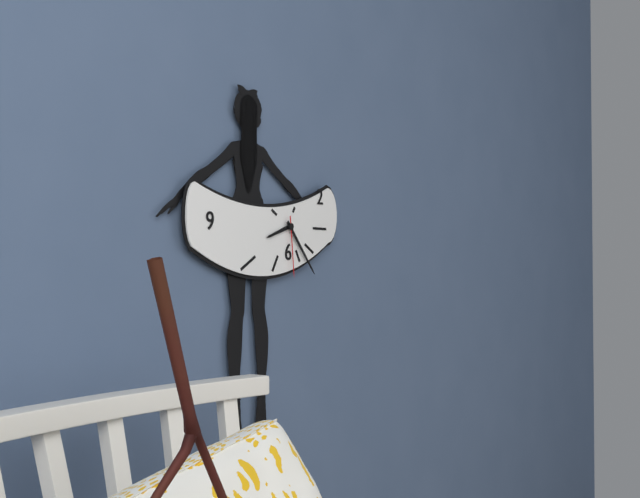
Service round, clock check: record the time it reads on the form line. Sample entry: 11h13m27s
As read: 8h23m29s
